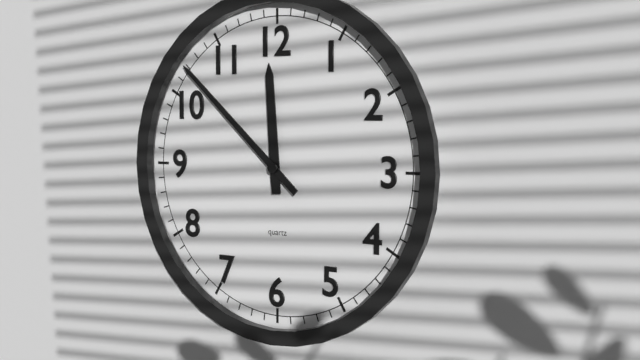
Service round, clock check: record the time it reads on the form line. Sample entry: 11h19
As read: 11h52
